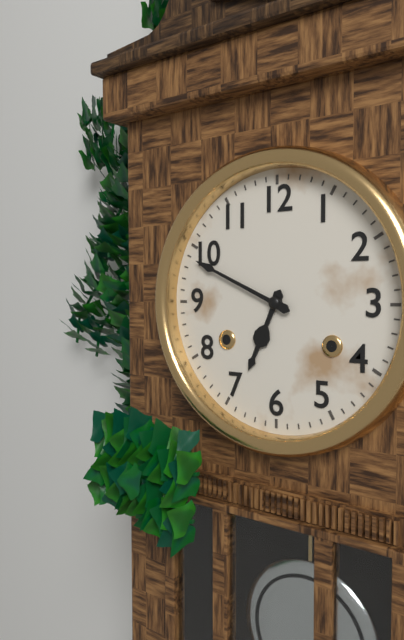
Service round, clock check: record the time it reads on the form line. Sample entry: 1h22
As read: 6h49
